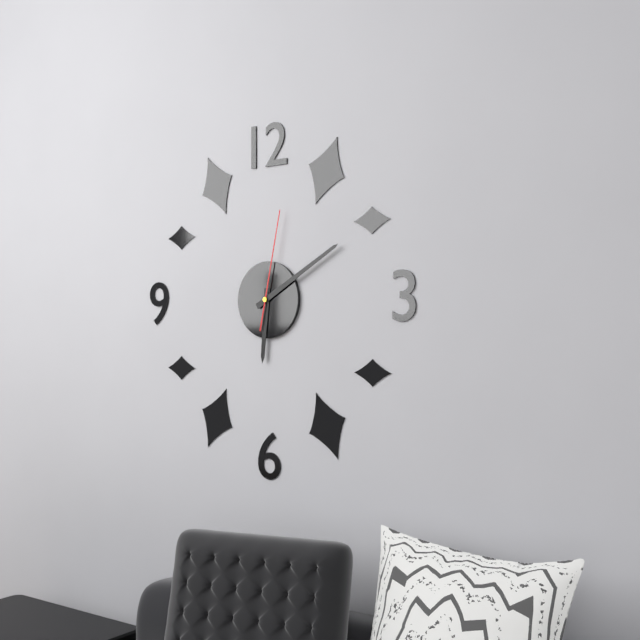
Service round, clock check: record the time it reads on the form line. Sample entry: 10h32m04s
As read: 6h10m02s
